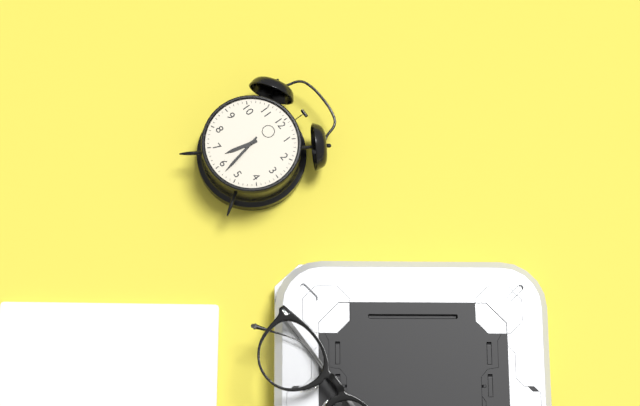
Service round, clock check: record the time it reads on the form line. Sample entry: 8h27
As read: 6h28
